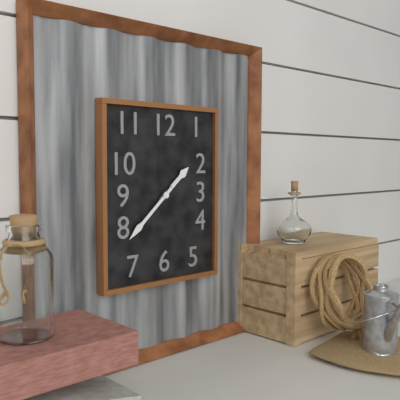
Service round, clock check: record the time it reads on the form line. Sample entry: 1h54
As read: 1h38
